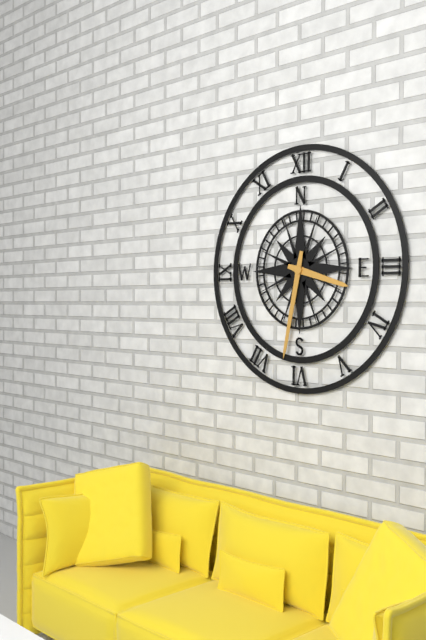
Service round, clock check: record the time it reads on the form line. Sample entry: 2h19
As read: 3h32
